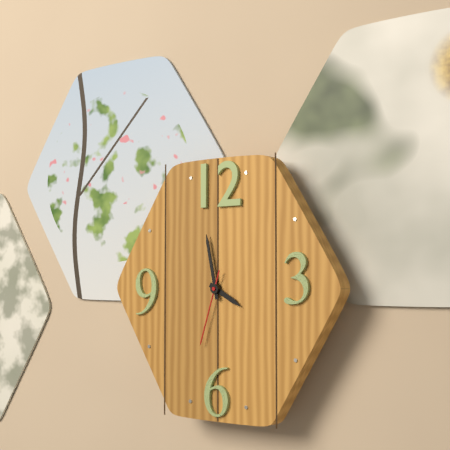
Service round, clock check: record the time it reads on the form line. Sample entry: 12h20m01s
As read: 3h58m33s
